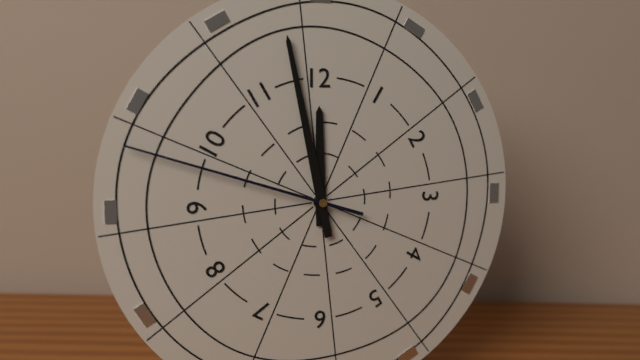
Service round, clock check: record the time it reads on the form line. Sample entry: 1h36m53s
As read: 11h58m48s
